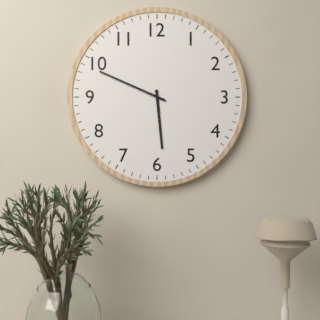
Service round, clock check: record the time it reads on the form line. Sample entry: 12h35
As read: 5h49
